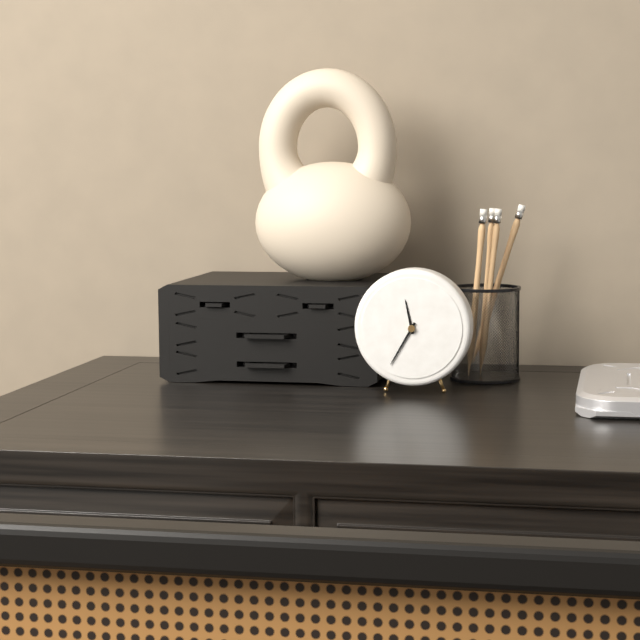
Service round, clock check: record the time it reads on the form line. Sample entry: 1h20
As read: 11h35
